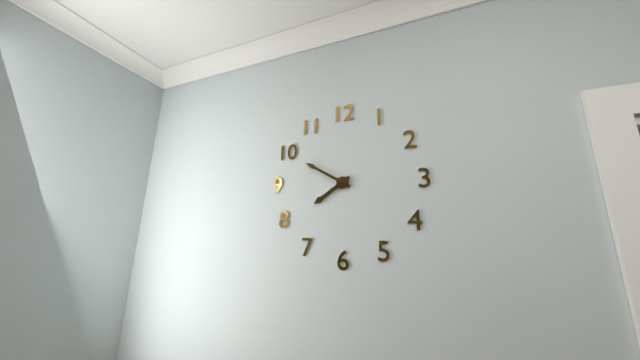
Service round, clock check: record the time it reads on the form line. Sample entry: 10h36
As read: 7h50
